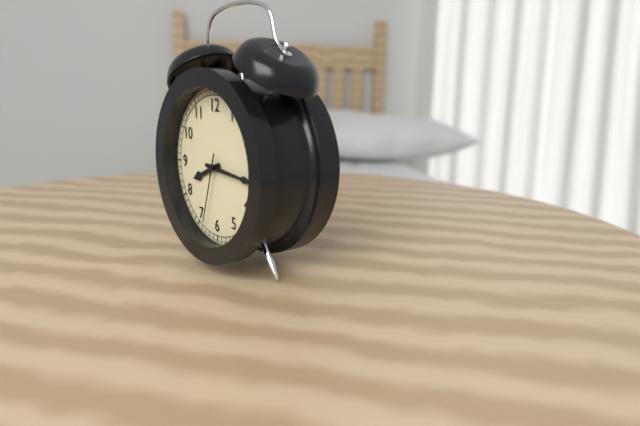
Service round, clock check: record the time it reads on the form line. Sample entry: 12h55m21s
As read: 8h16m33s
